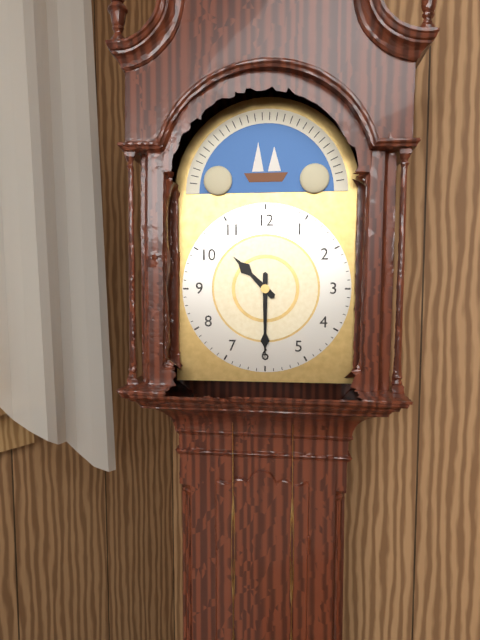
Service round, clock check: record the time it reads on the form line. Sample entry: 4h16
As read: 10h30
